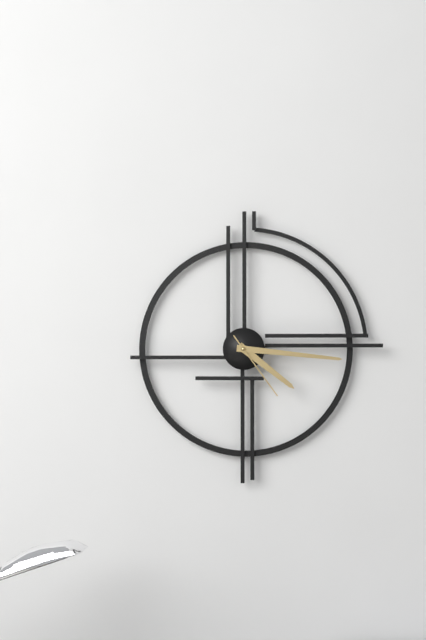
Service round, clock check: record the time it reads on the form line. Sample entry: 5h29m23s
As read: 4h16m24s
